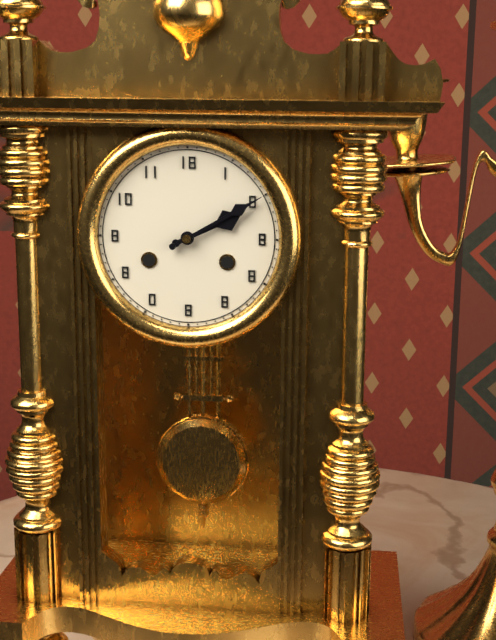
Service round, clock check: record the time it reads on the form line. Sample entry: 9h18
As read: 2h10
